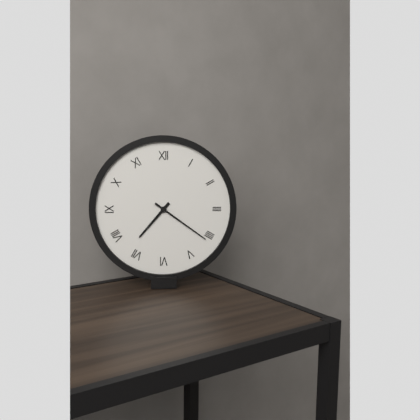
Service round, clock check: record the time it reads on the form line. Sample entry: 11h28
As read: 7h21
